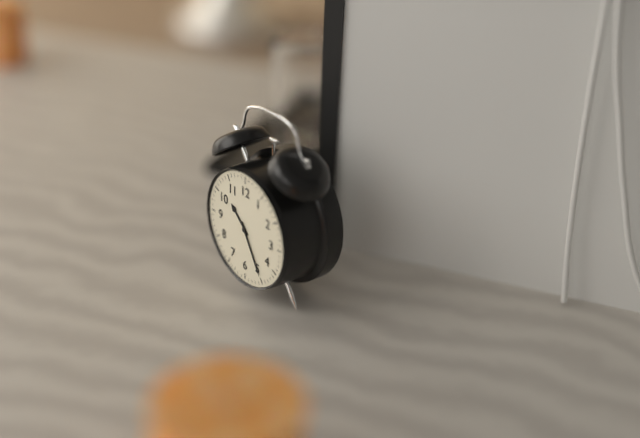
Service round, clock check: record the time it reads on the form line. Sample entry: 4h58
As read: 10h25
